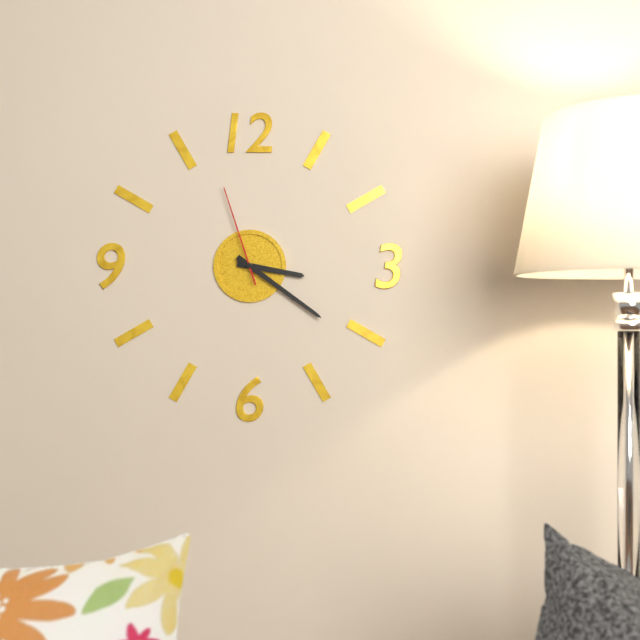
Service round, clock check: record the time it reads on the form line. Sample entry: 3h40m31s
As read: 3h21m57s
